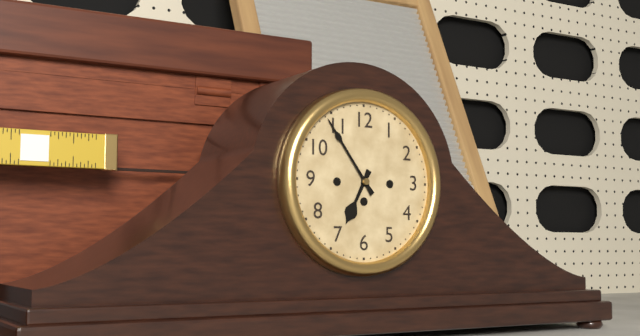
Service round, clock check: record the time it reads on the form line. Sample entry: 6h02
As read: 6h54
